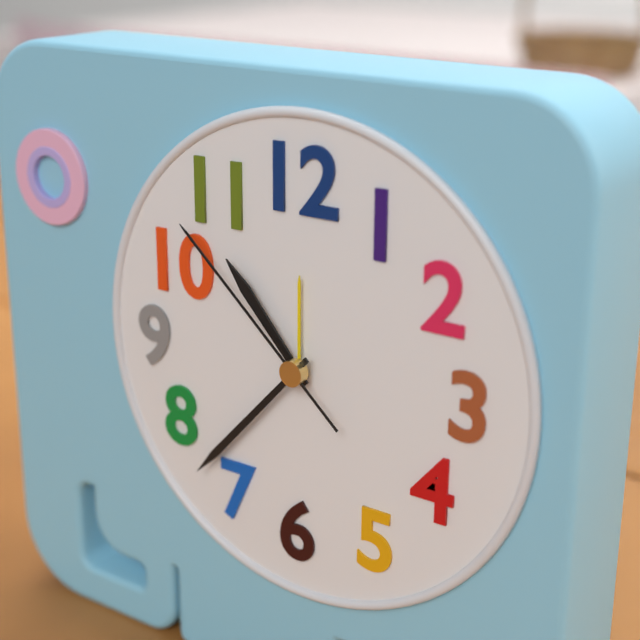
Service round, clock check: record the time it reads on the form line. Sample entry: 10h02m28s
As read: 10h37m52s
